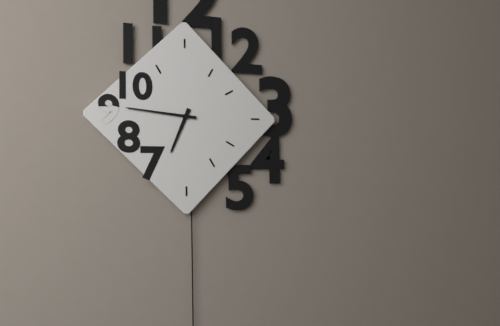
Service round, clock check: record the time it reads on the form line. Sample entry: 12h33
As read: 6h46
